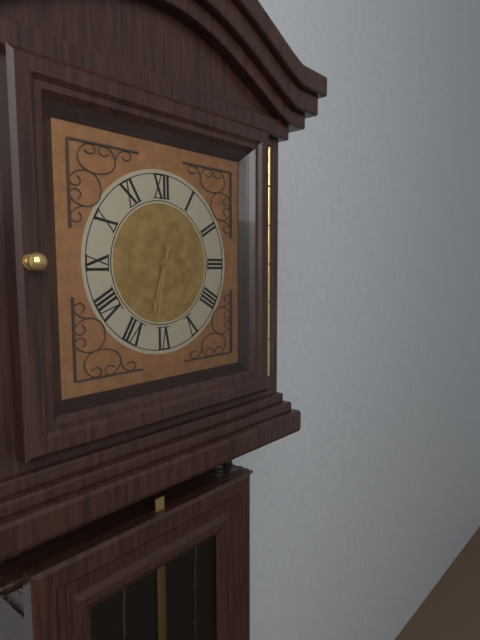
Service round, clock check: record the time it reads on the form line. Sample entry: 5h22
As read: 6h32
